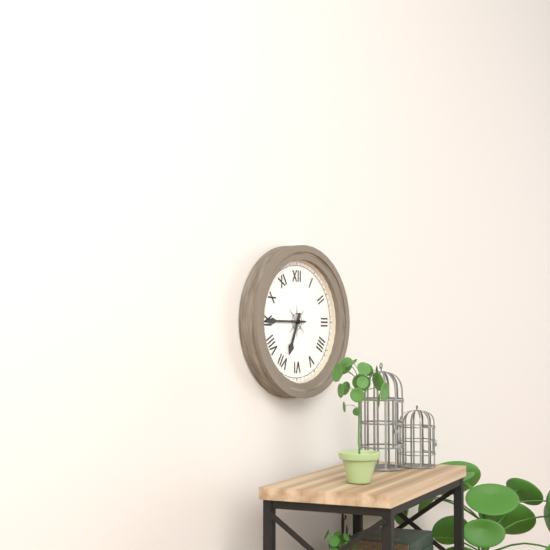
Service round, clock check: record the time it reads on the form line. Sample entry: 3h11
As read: 6h45
